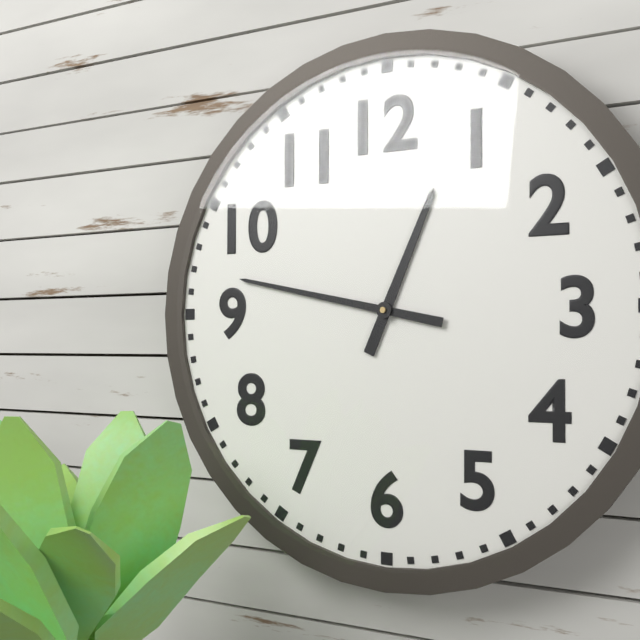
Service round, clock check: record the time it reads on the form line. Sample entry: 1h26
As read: 12h47
